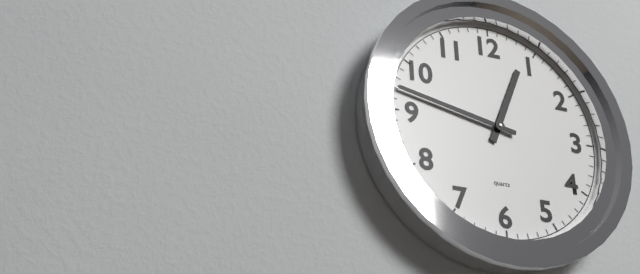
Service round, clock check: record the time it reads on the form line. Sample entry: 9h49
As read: 12h47
